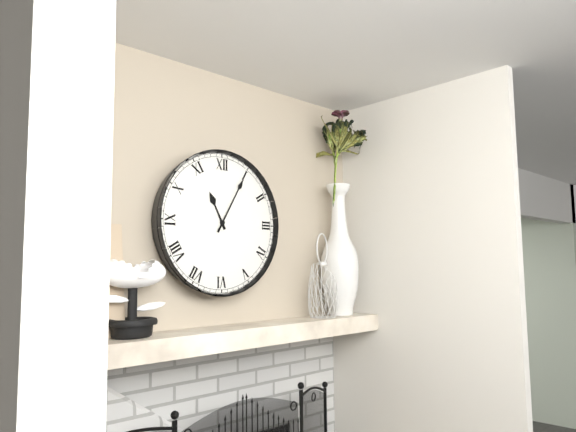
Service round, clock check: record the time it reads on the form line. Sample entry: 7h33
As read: 11h05
